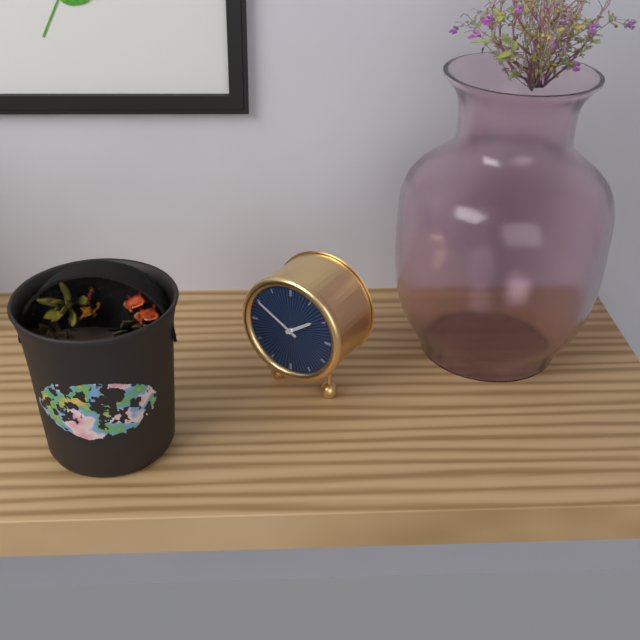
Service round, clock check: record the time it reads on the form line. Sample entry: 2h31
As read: 1h50
